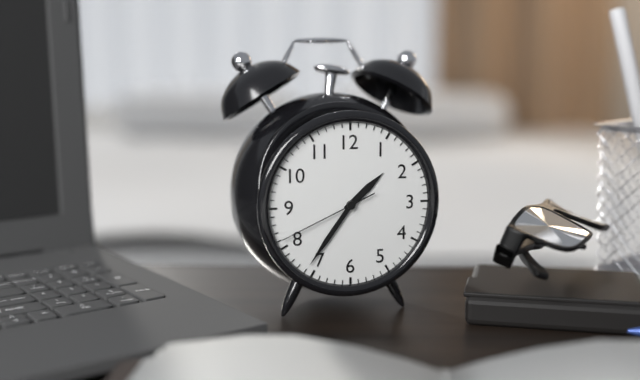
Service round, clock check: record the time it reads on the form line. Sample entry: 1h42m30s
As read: 1h36m41s
